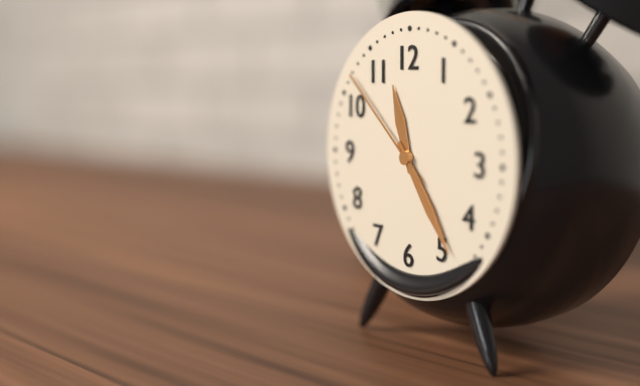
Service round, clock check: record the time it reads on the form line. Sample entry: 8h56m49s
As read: 11h24m52s
